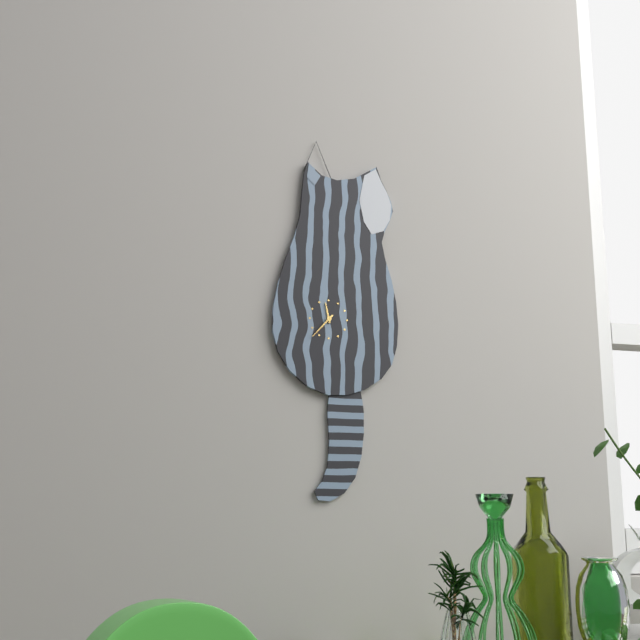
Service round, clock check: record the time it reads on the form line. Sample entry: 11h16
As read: 11h37
